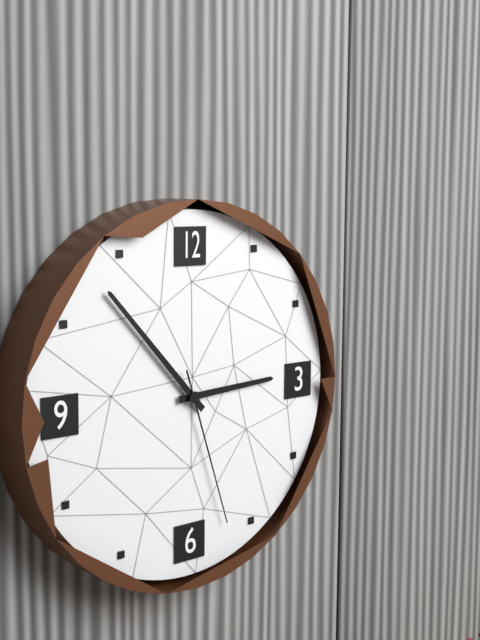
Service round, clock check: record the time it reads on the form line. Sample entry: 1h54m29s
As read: 2h53m27s
